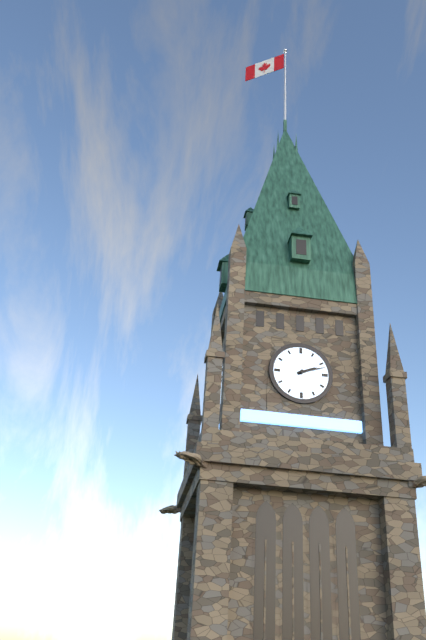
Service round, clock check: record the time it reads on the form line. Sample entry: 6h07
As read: 2h12
